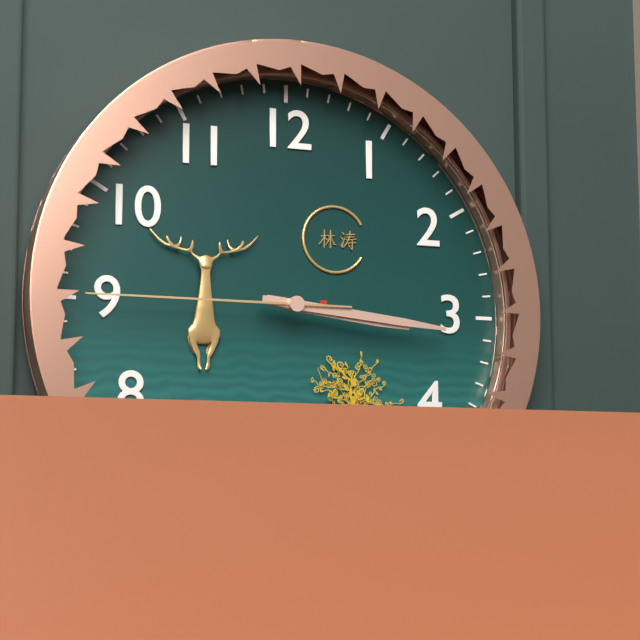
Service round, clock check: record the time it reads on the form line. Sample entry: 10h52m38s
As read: 3h16m45s
